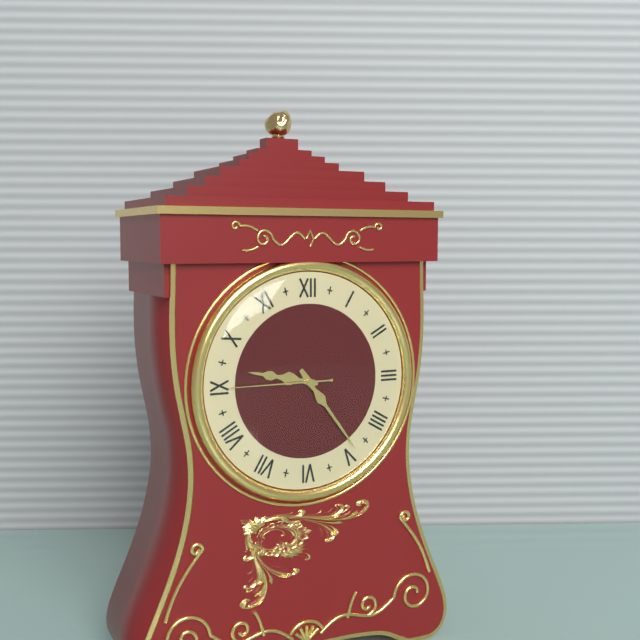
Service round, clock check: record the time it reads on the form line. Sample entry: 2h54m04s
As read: 9h24m45s
